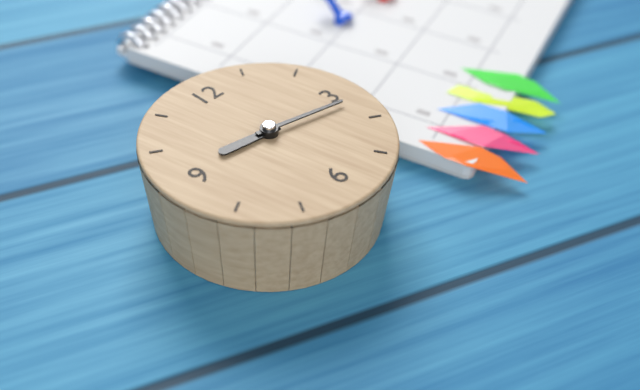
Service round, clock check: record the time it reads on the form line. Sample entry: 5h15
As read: 9h17
